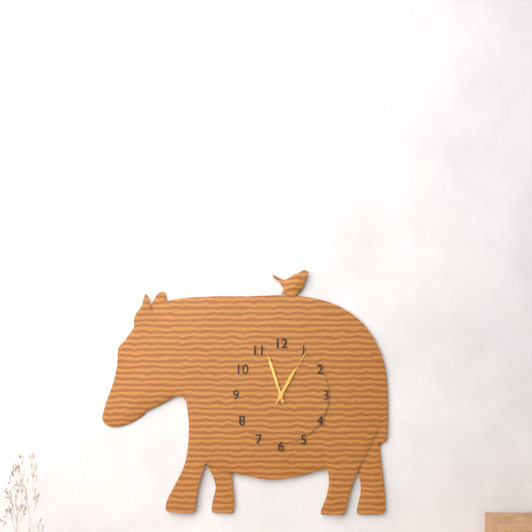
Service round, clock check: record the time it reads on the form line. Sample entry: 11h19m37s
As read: 12h57m05s
